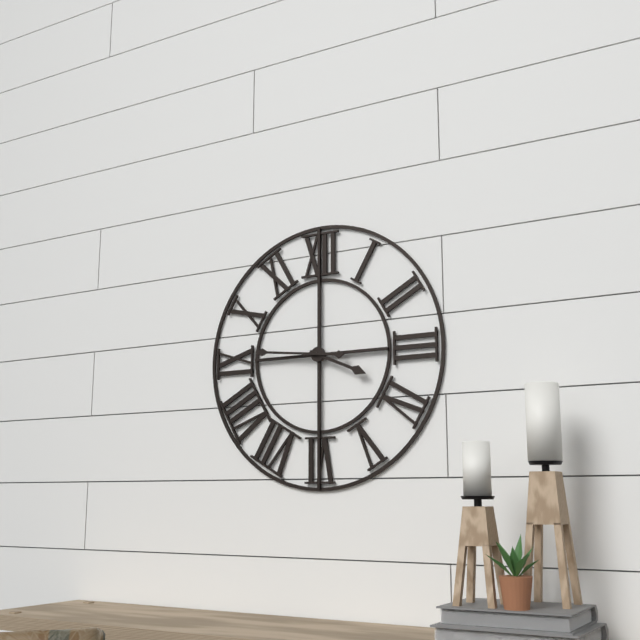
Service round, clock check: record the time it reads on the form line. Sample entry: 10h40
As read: 3h46
